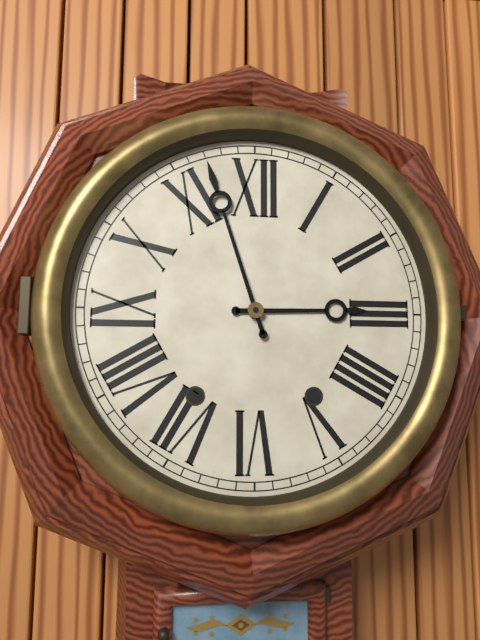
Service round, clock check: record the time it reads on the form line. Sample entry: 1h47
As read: 2h57
